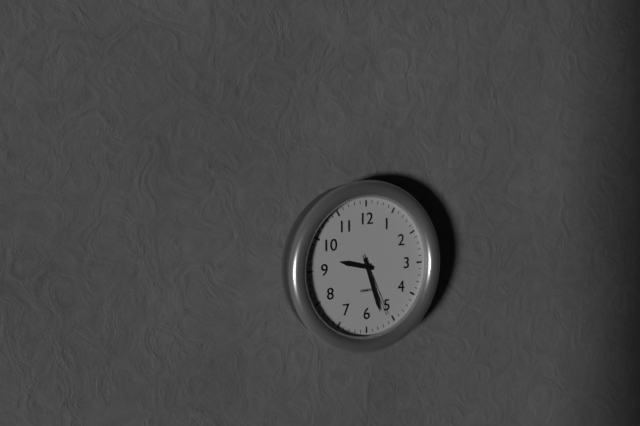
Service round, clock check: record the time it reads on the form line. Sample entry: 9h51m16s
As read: 9h27m26s
